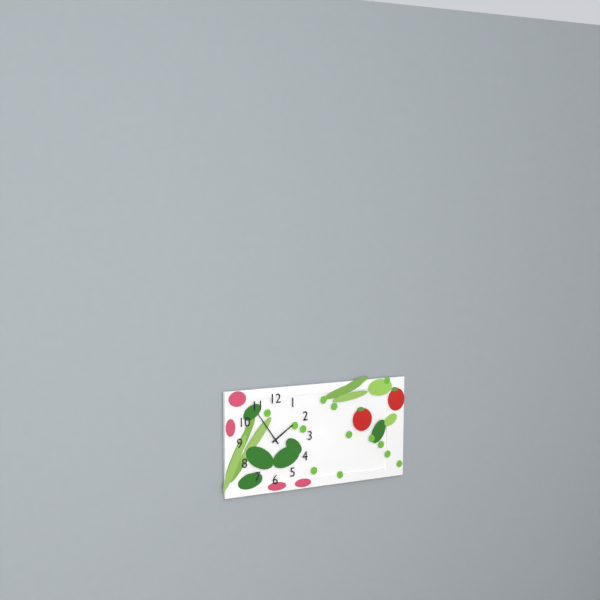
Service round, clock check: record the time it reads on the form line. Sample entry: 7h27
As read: 1h54
